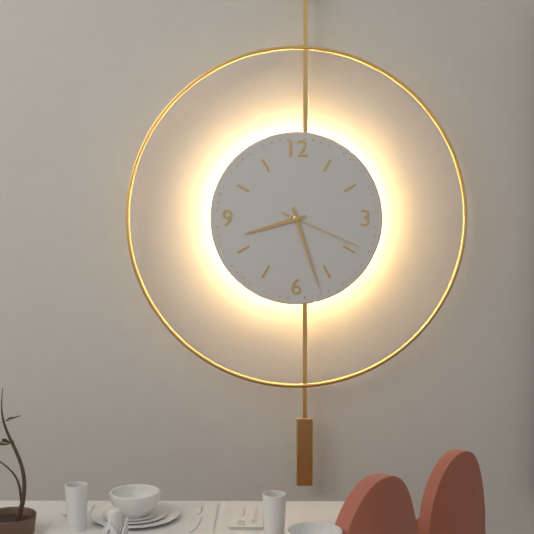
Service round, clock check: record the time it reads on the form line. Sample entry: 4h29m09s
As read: 8h27m19s
